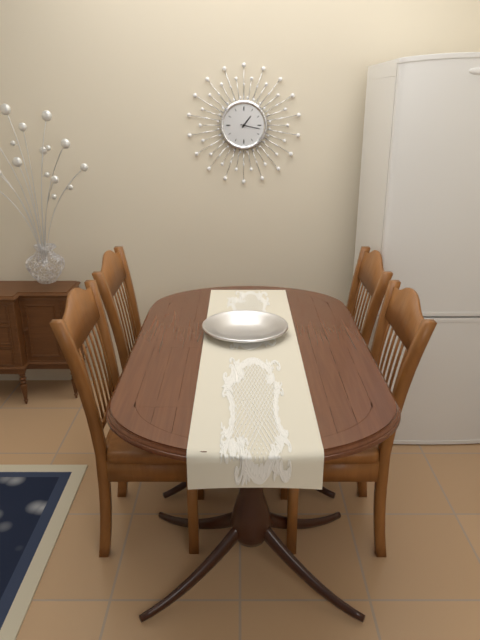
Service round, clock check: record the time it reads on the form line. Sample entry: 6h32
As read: 1h17
